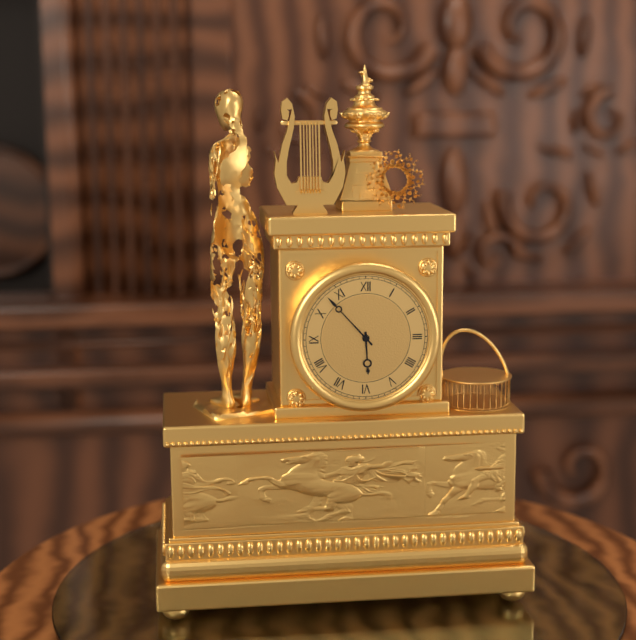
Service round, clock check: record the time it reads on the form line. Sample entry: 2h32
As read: 5h53
